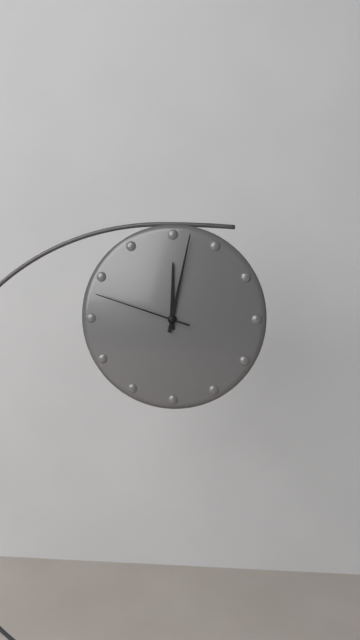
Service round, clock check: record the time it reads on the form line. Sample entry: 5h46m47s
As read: 12h02m48s
